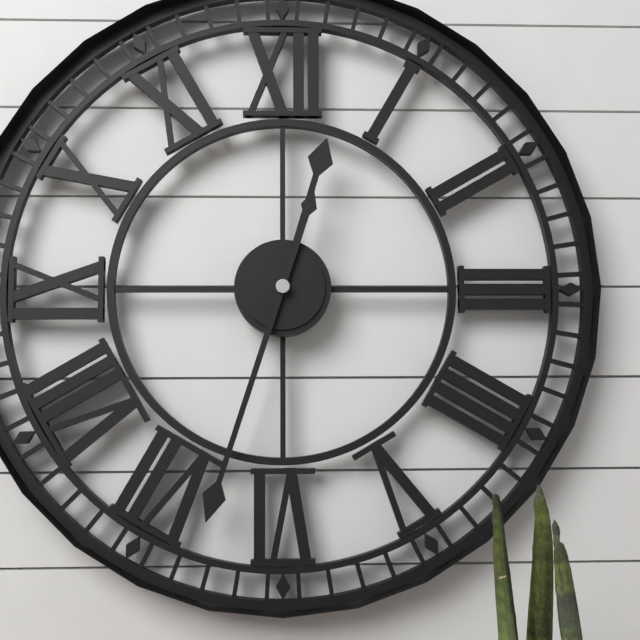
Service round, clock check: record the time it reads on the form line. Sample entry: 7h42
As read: 12h33
